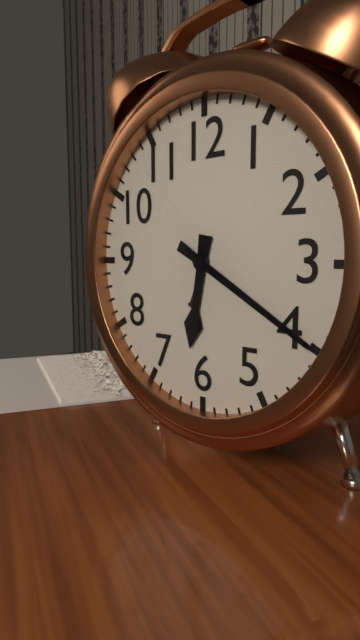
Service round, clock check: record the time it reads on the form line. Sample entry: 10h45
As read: 6h20
